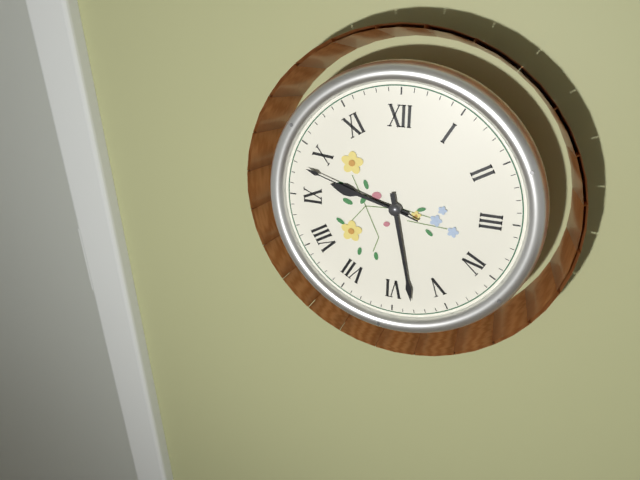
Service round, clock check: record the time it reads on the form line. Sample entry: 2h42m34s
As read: 9h28m48s
